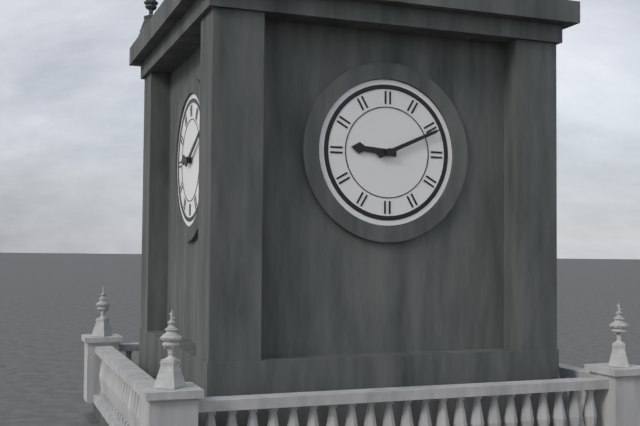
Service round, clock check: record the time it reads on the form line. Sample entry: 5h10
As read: 9h11
